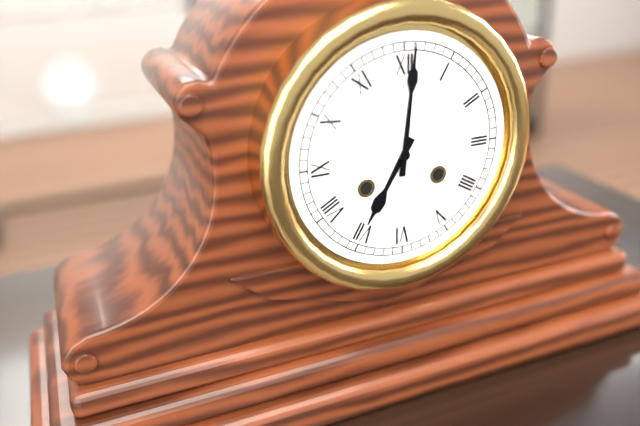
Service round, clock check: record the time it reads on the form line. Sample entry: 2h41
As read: 7h01
